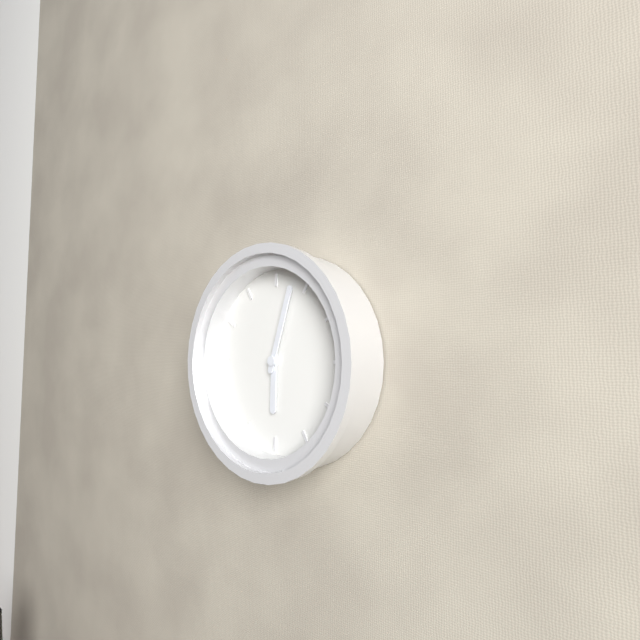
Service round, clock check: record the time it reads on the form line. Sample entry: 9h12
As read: 6h03
